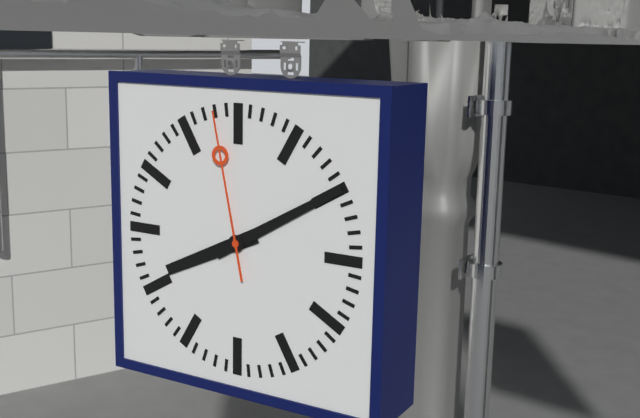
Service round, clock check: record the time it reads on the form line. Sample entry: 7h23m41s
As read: 8h10m58s
